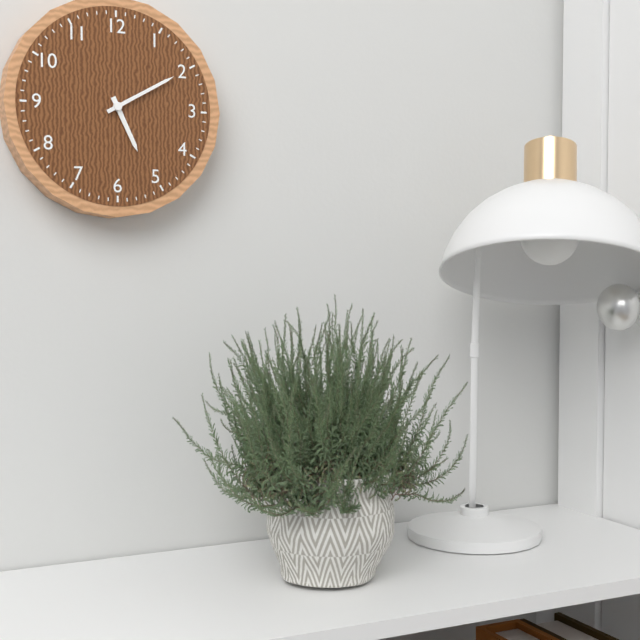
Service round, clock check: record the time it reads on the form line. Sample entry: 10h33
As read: 5h10
